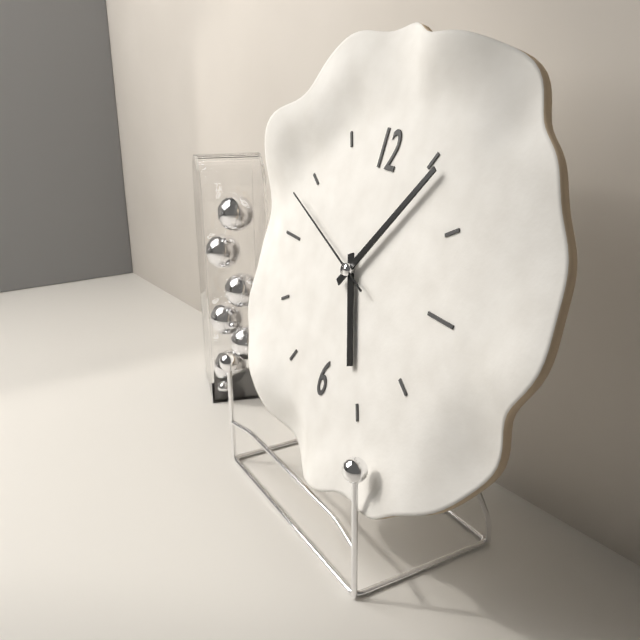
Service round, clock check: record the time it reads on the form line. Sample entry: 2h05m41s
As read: 5h06m48s
